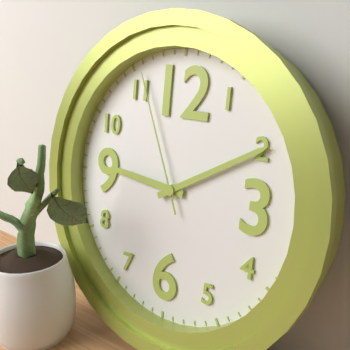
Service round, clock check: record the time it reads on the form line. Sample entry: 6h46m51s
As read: 9h10m56s
